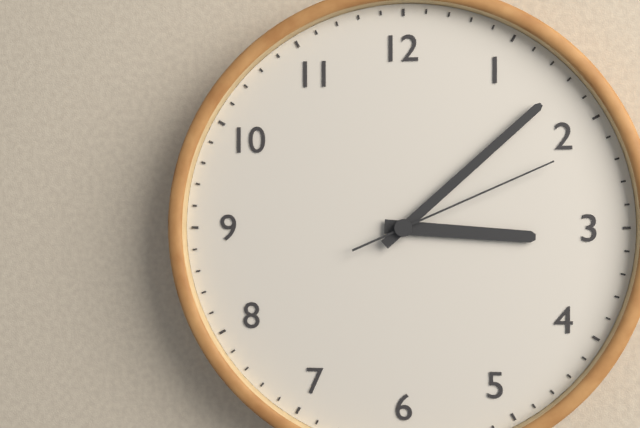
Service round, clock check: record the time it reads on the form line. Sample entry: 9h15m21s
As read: 3h08m11s
